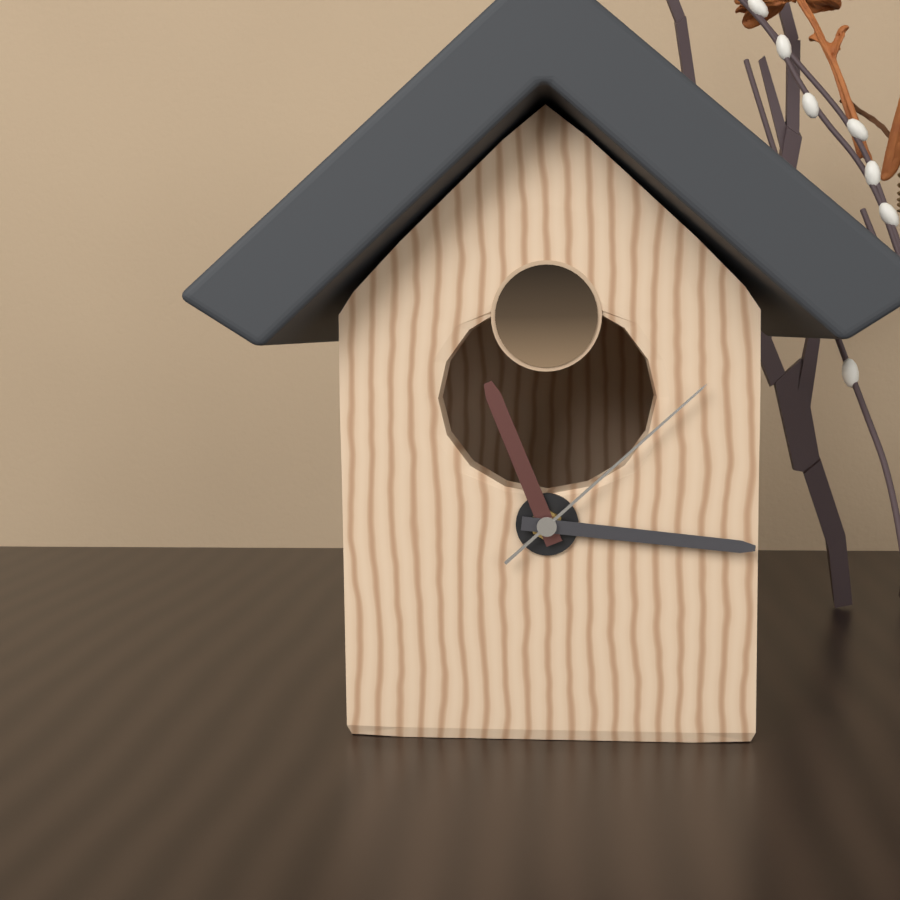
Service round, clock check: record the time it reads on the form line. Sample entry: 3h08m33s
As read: 11h16m08s
